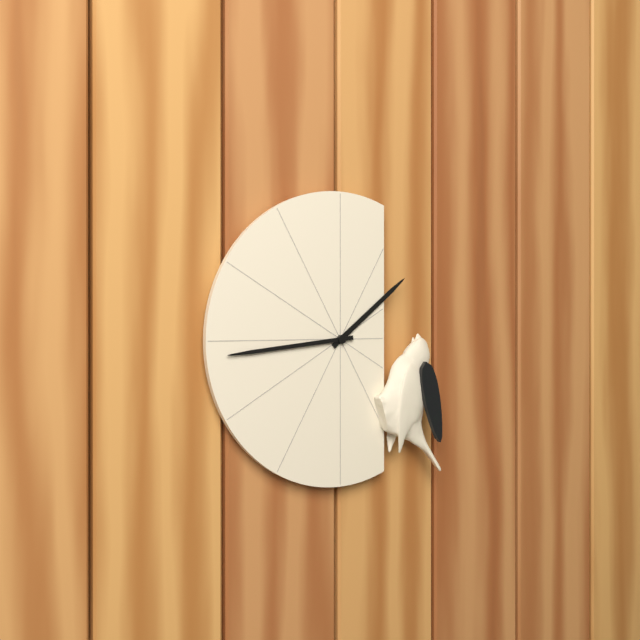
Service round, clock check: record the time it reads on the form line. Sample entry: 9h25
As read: 1h44
